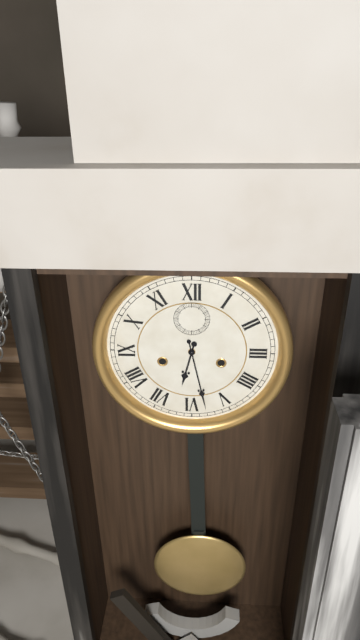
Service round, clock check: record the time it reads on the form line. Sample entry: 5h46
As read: 6h28
